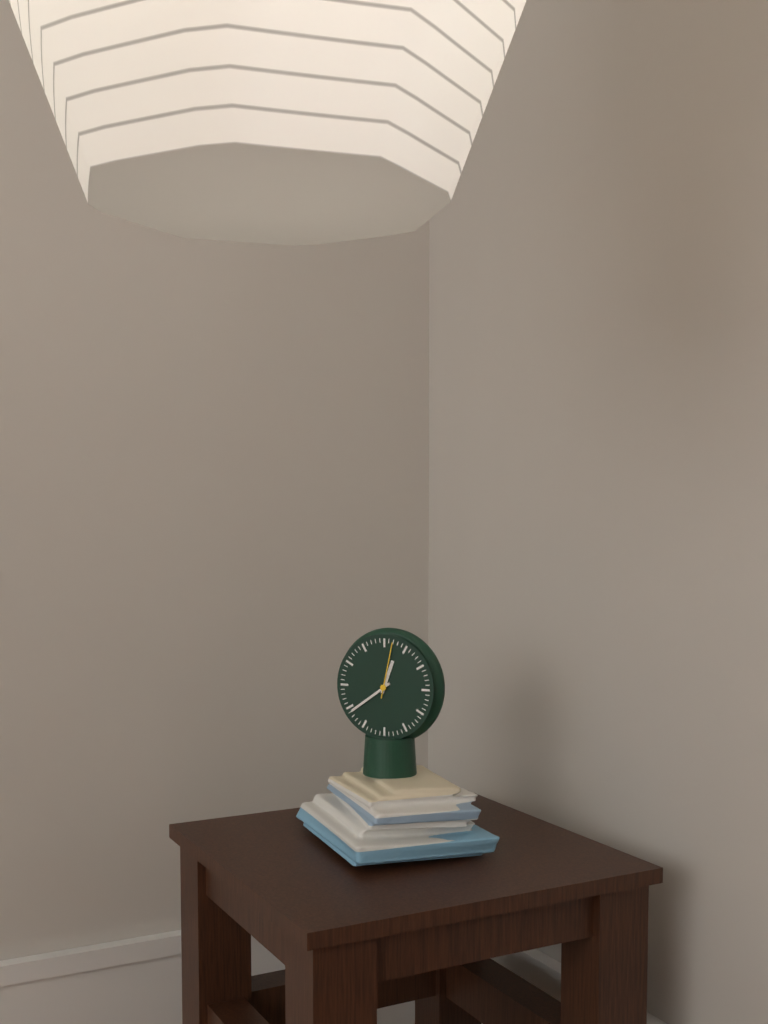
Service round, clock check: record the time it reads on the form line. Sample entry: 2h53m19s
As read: 12h39m02s
